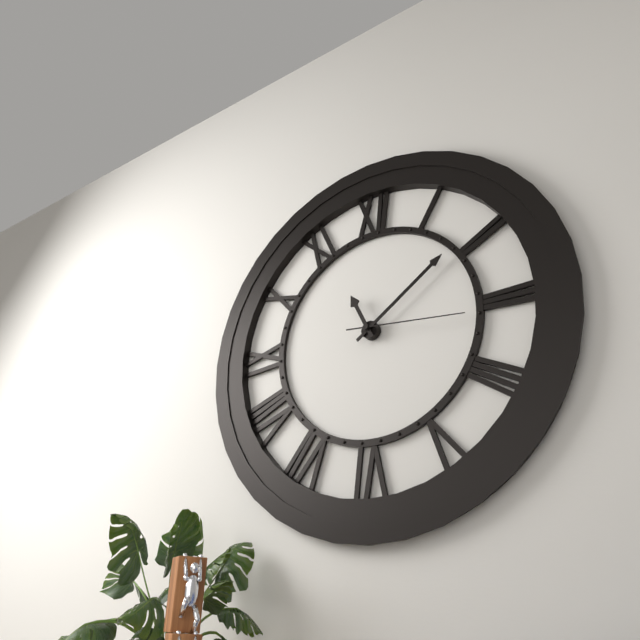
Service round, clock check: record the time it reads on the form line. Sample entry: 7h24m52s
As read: 11h09m16s
